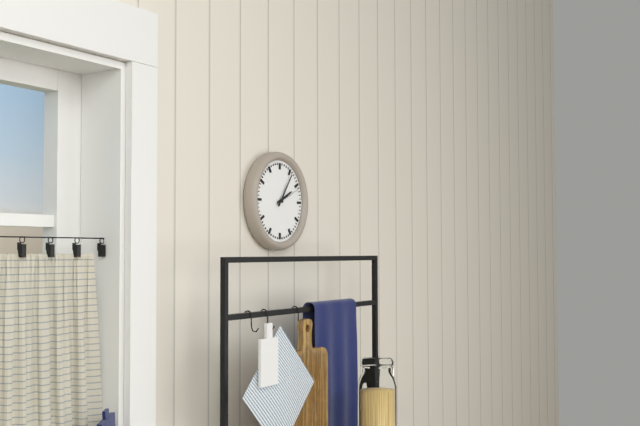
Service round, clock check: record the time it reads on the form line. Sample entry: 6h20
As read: 2h06
